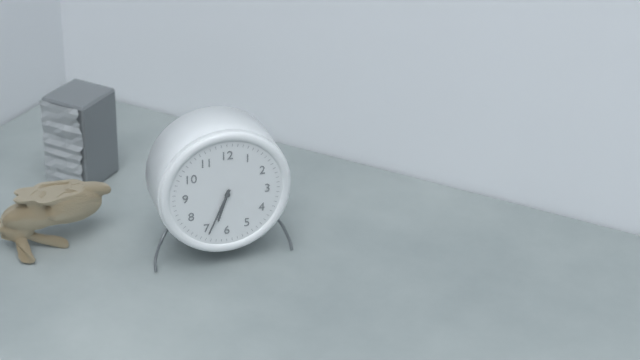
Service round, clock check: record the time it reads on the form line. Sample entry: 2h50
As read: 6h34
